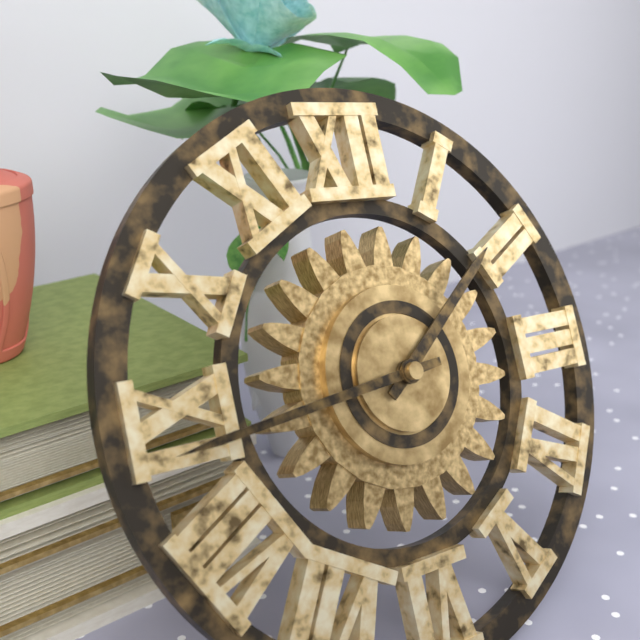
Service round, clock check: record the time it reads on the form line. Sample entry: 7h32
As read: 1h44
